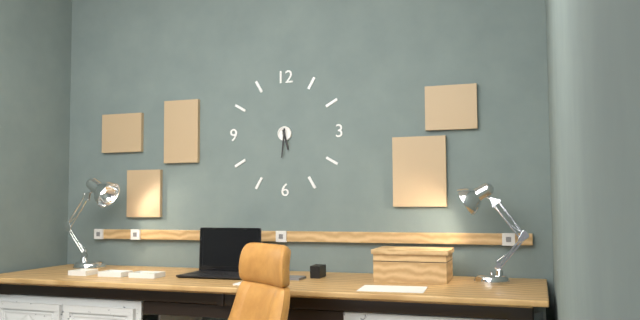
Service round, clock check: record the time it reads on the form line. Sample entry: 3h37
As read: 5h31
